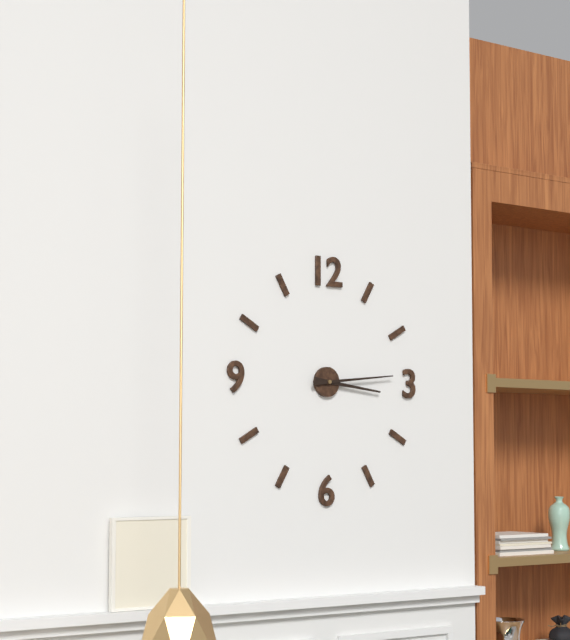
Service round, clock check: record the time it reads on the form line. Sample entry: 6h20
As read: 3h14
